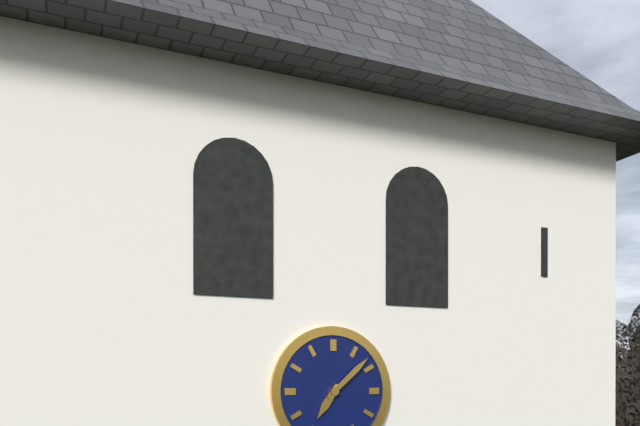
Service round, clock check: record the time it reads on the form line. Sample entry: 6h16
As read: 7h08
